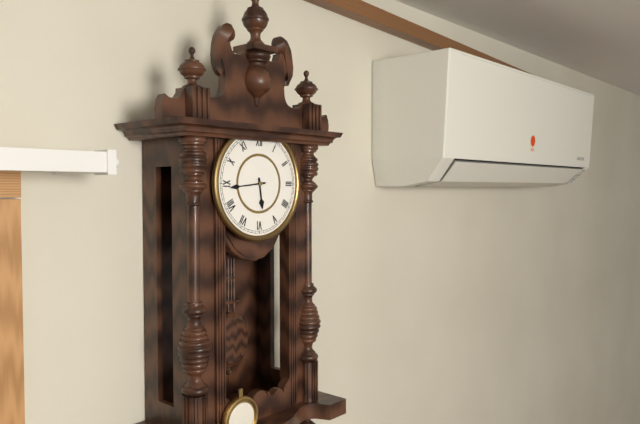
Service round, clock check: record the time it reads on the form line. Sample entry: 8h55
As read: 5h44
